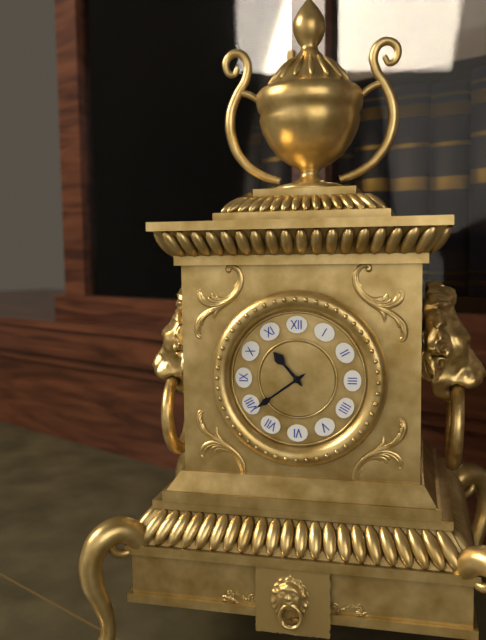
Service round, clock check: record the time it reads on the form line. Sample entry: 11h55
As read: 10h39
